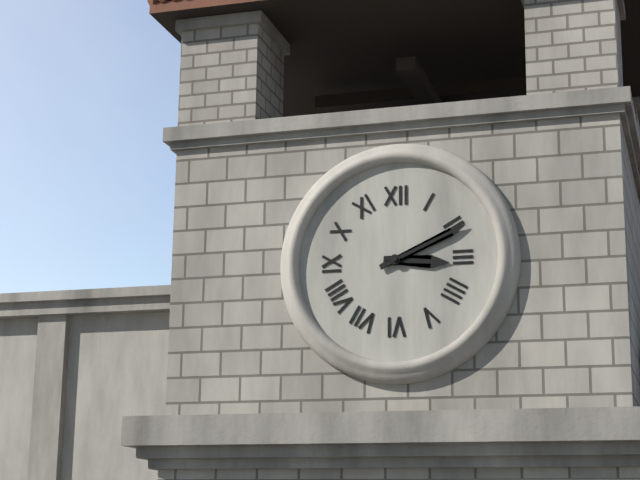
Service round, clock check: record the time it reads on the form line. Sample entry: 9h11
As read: 3h11
